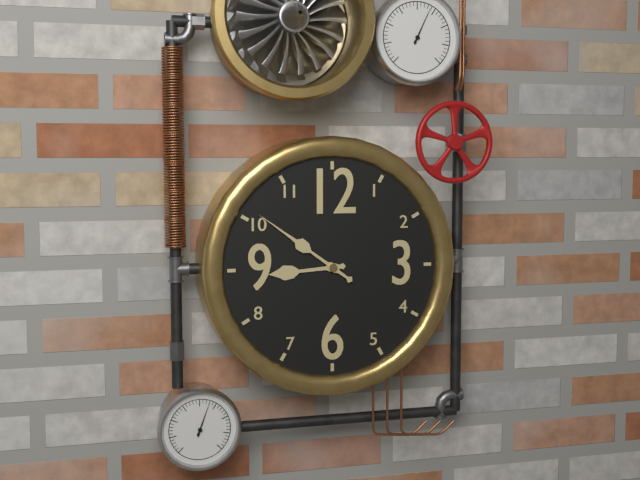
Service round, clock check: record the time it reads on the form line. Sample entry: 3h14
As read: 8h51
